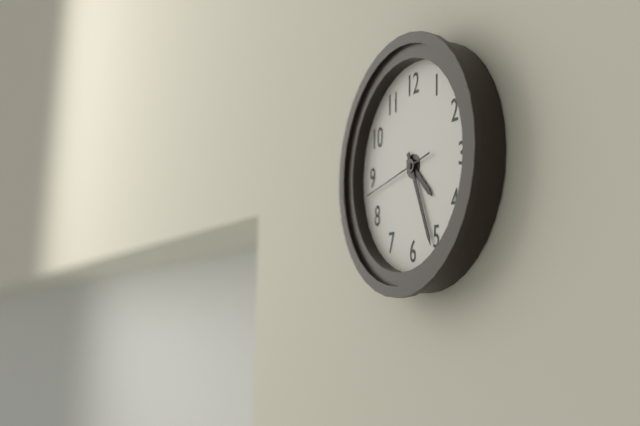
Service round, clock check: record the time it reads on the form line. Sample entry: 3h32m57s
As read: 4h26m43s
